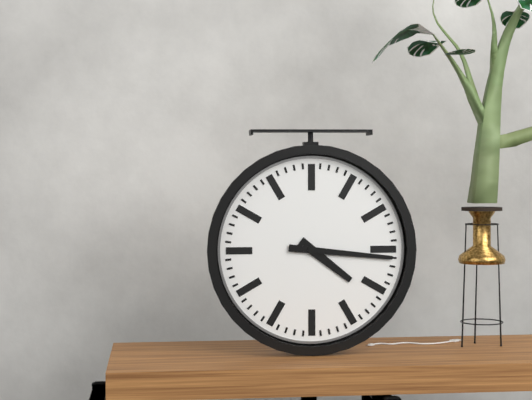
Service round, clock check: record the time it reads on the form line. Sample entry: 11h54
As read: 4h16
